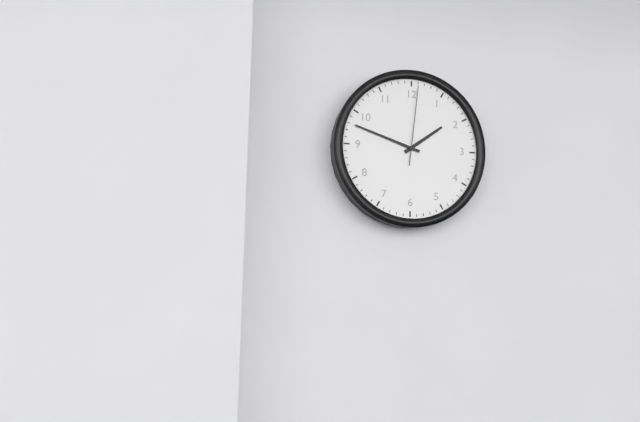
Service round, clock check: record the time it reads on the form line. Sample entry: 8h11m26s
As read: 1h48m01s
